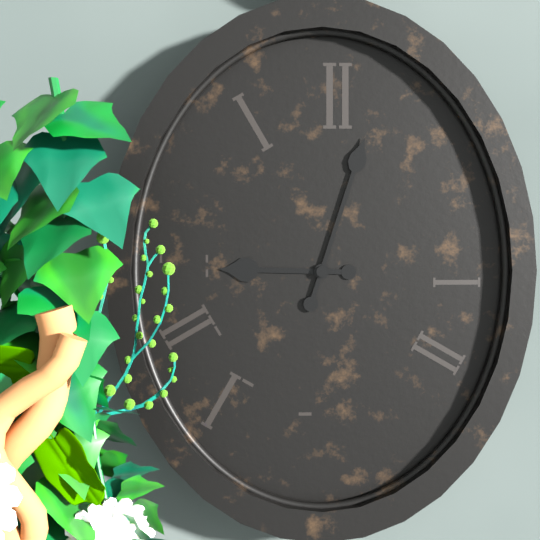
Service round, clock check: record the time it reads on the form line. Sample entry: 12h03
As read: 9h03
